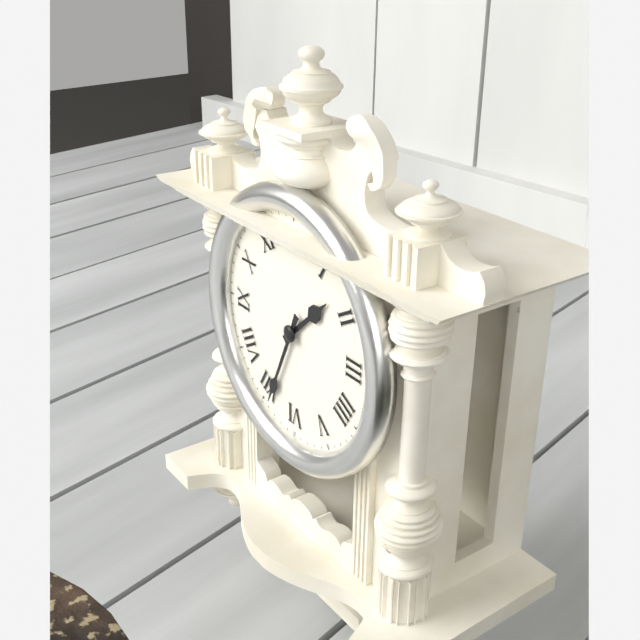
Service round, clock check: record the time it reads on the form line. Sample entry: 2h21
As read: 1h34
